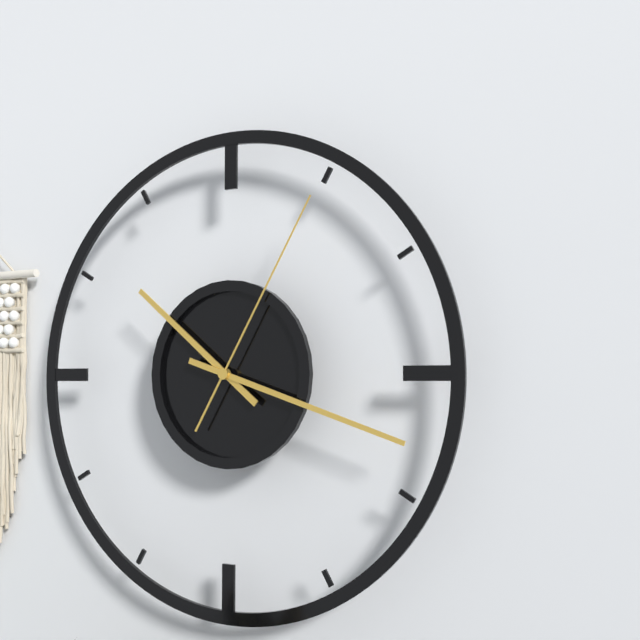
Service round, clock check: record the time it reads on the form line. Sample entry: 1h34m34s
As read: 10h18m05s
